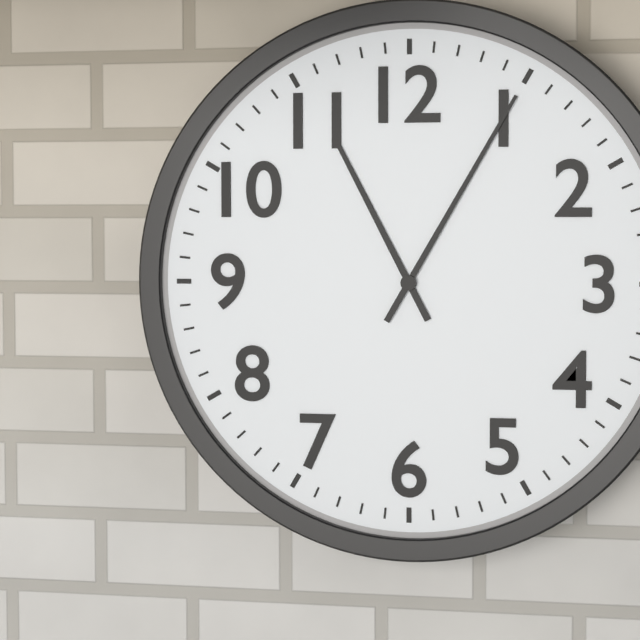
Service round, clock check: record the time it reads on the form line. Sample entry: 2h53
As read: 11h05
